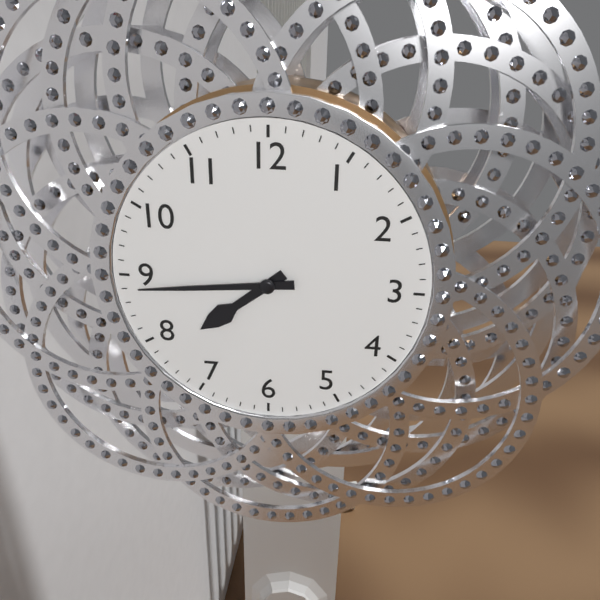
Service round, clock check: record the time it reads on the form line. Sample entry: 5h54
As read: 7h44
